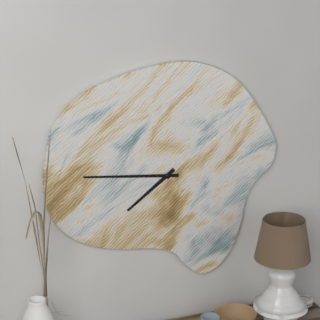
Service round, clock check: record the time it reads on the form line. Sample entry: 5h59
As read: 7h46
